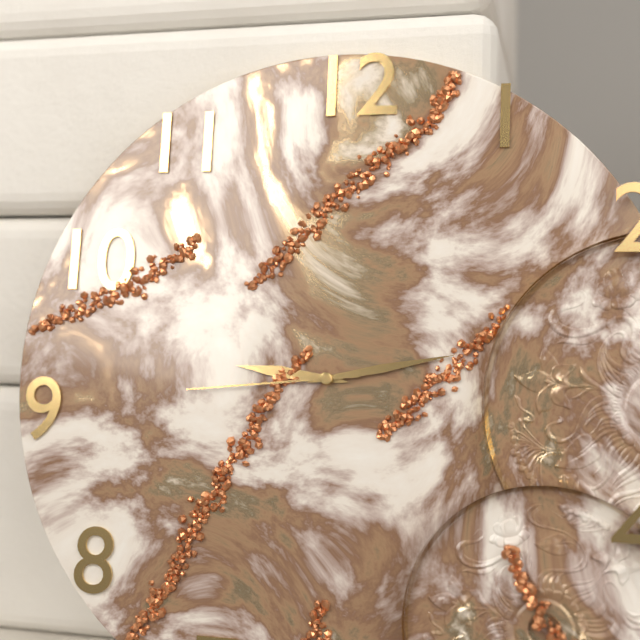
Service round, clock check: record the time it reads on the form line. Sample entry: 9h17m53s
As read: 9h13m44s
